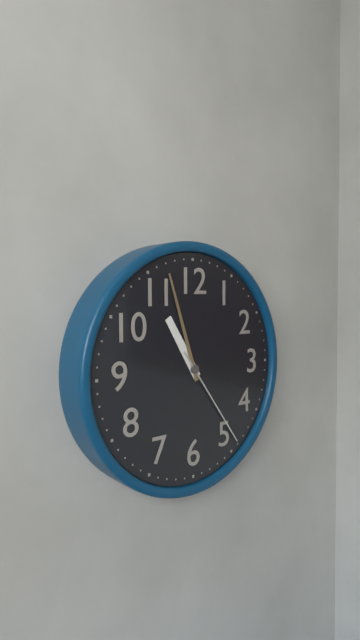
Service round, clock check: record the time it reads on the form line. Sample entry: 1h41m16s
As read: 10h57m24s
